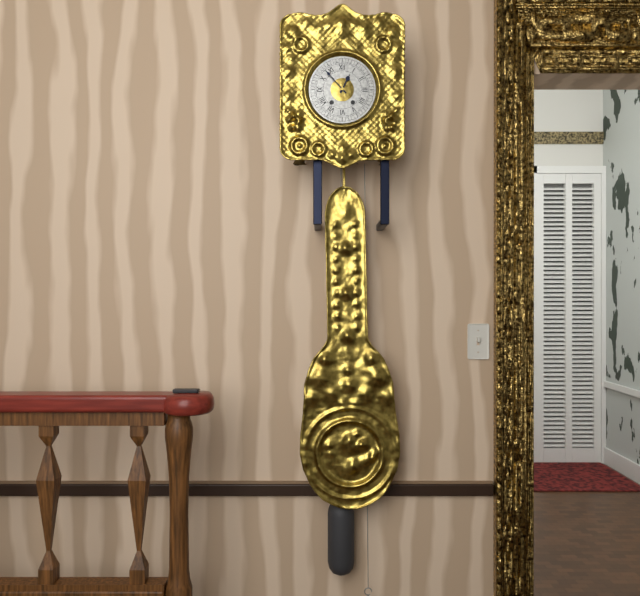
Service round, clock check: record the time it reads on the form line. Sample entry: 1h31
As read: 12h53
